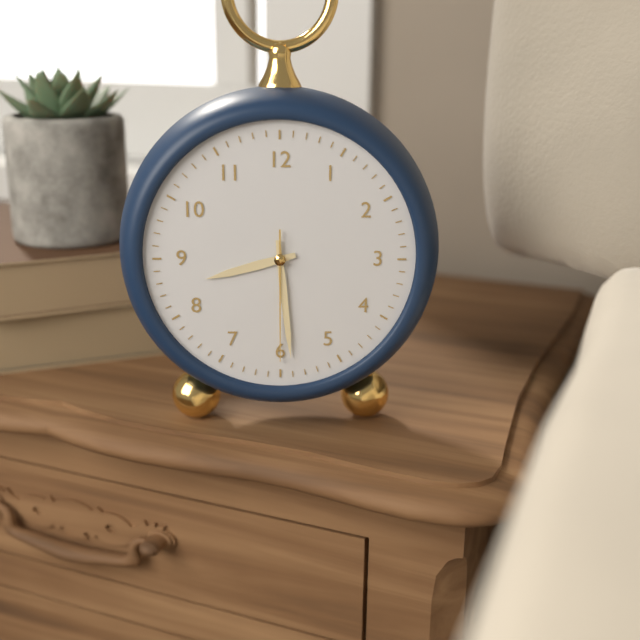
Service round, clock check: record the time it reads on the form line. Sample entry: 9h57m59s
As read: 8h29m30s
